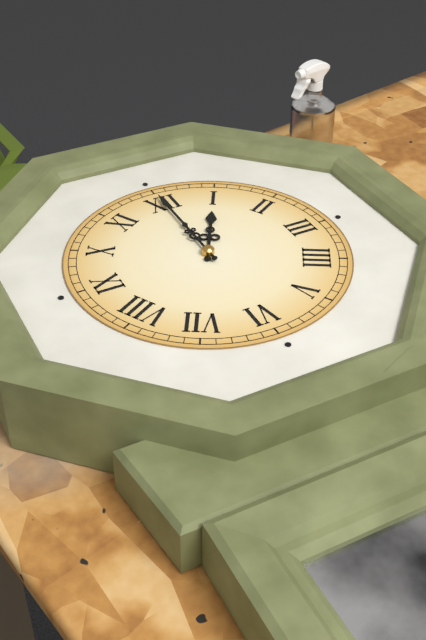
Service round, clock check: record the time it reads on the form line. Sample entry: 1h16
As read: 1h00
